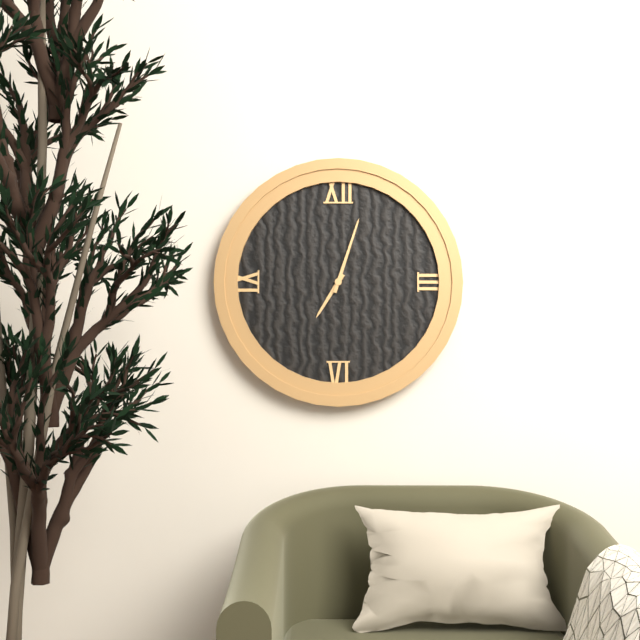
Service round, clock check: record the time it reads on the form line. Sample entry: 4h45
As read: 7h03
